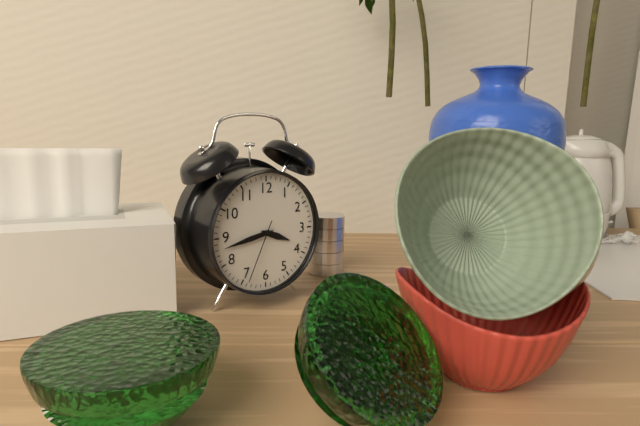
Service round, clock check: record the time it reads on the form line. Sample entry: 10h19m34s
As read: 3h43m34s
